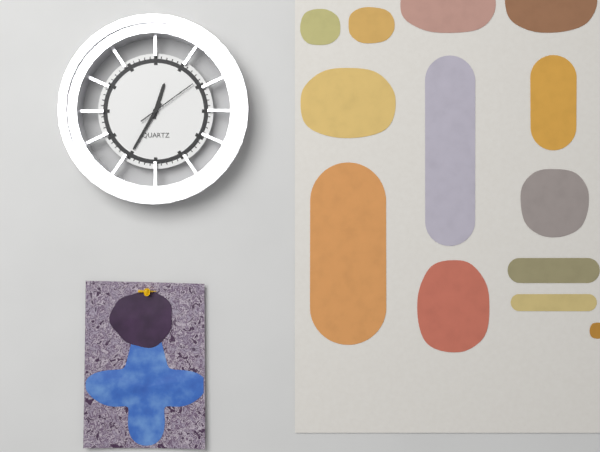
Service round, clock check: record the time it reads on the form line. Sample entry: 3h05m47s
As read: 12h35m09s
